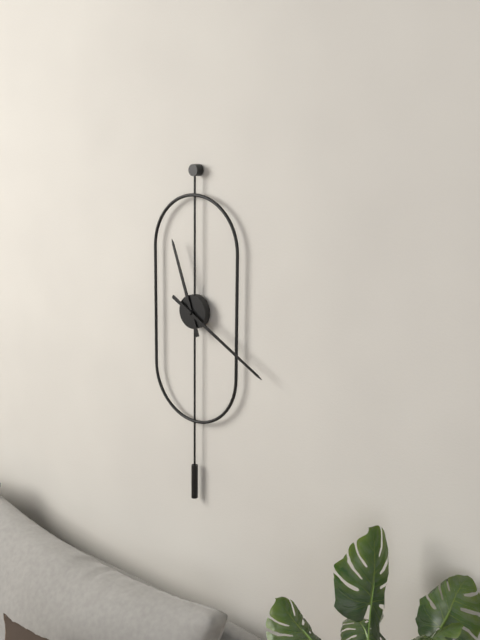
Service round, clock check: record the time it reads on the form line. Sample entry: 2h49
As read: 11h20
